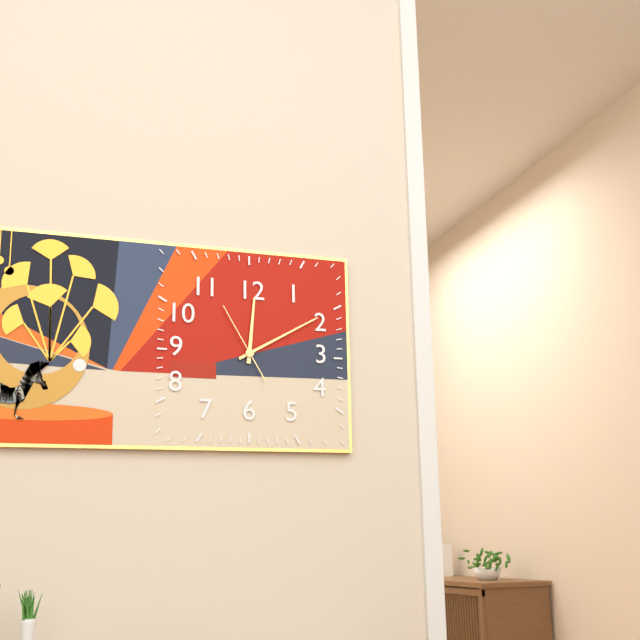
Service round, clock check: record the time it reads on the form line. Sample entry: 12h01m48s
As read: 12h10m55s
